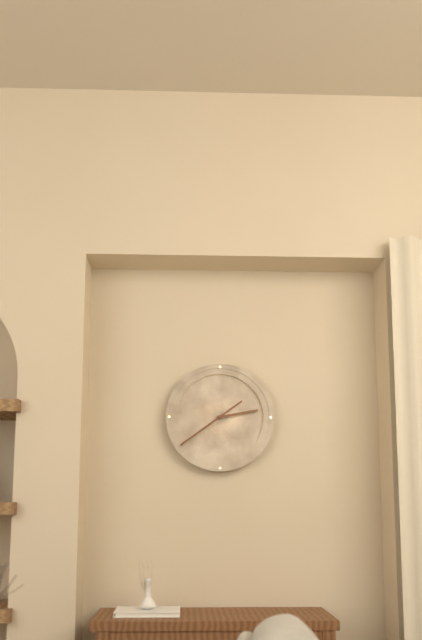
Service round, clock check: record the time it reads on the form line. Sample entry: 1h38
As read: 2h39
